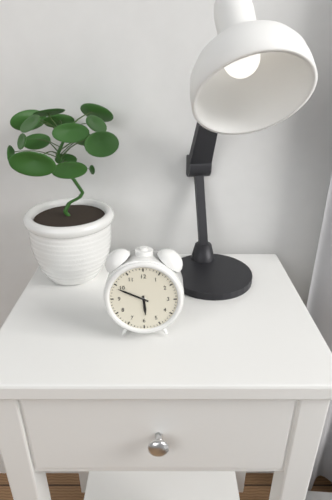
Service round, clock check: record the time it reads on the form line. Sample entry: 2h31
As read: 5h49
